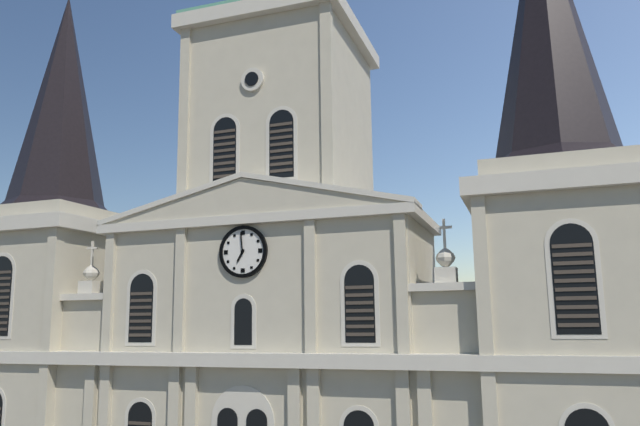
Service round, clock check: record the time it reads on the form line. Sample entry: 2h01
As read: 6h59
